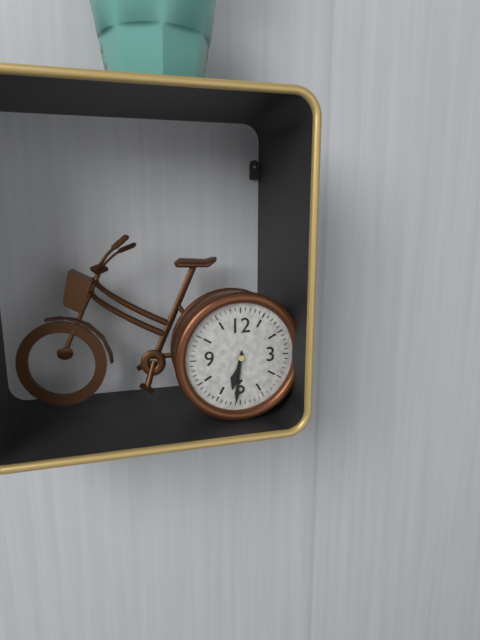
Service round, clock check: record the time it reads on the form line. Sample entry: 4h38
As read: 6h31
